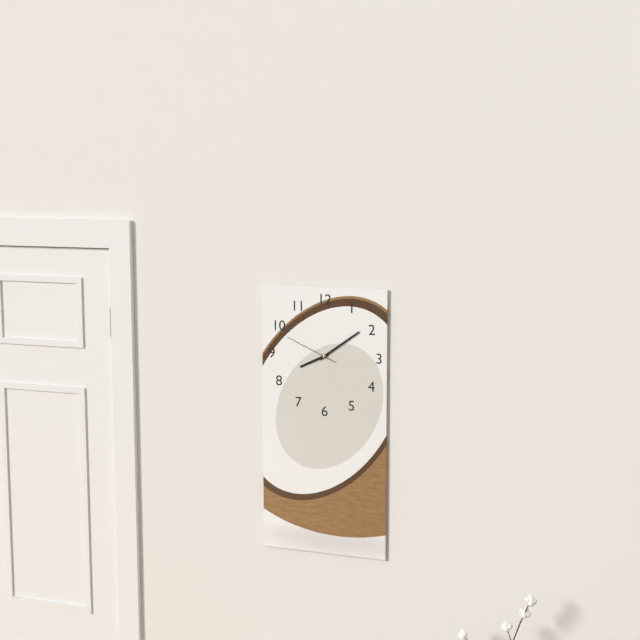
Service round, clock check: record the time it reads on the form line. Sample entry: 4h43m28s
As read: 8h09m49s
